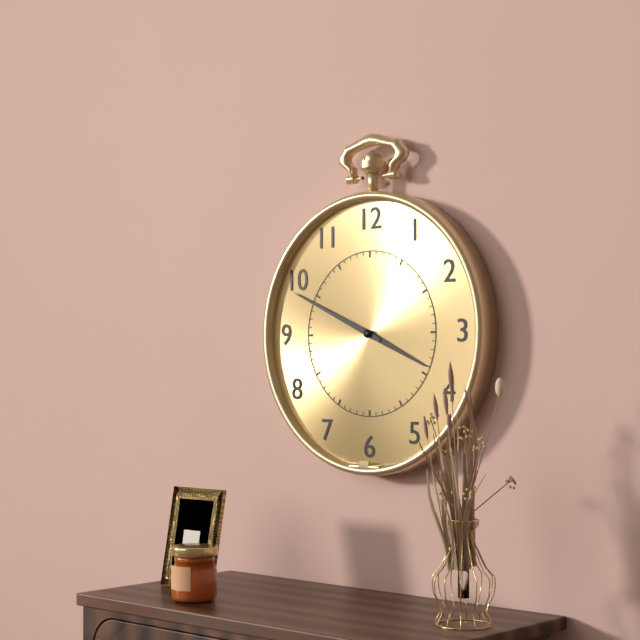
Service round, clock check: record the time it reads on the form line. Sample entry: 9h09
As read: 3h49
